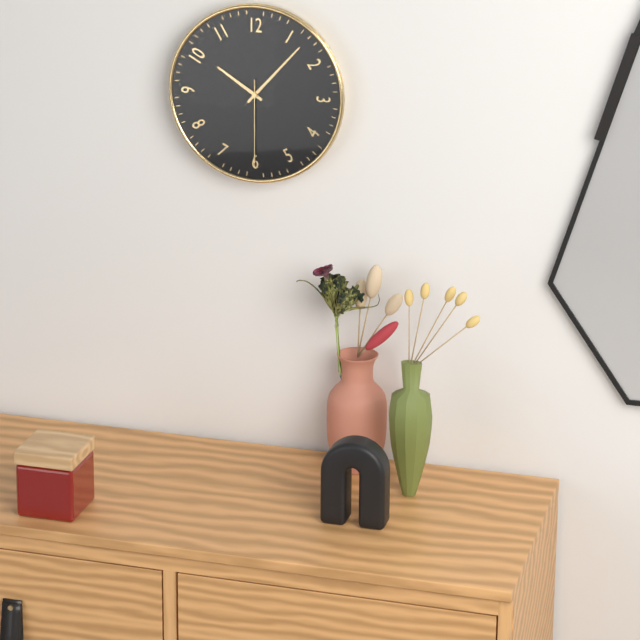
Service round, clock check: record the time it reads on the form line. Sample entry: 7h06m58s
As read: 10h07m30s
